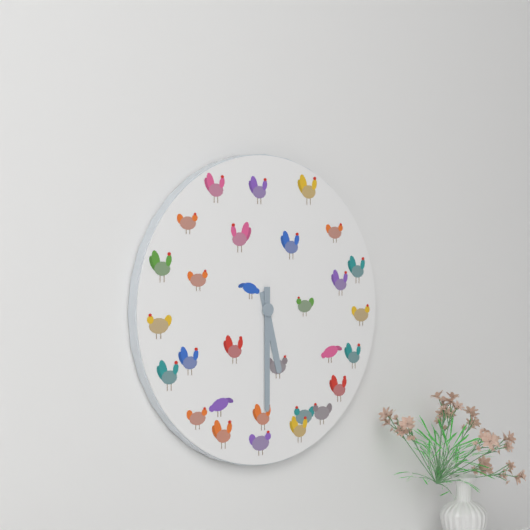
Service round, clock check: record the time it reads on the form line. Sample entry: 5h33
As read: 5h30
